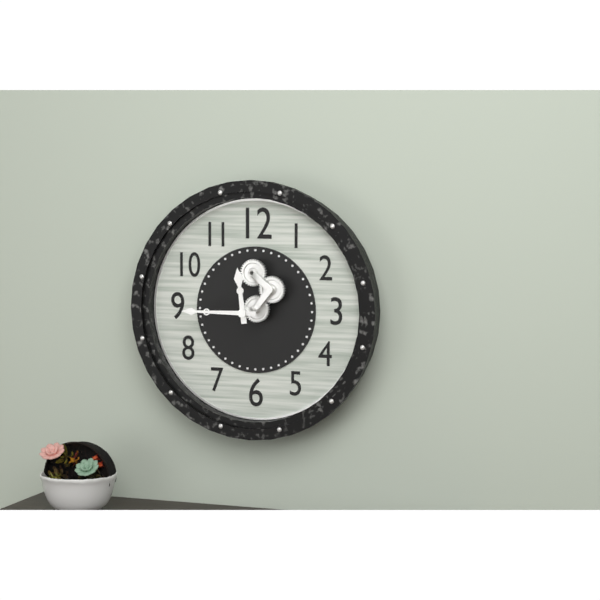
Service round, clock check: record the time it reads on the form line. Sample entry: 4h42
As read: 11h45
